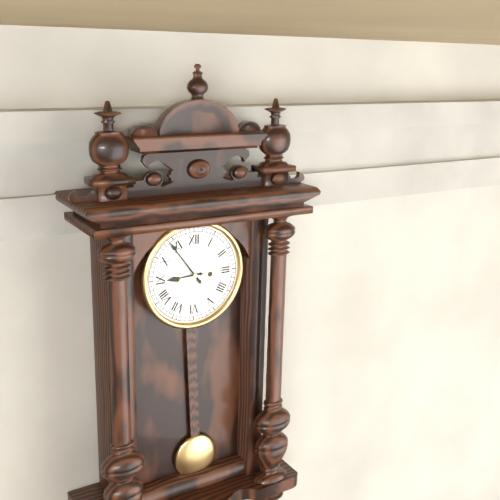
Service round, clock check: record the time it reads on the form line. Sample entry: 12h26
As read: 8h54
